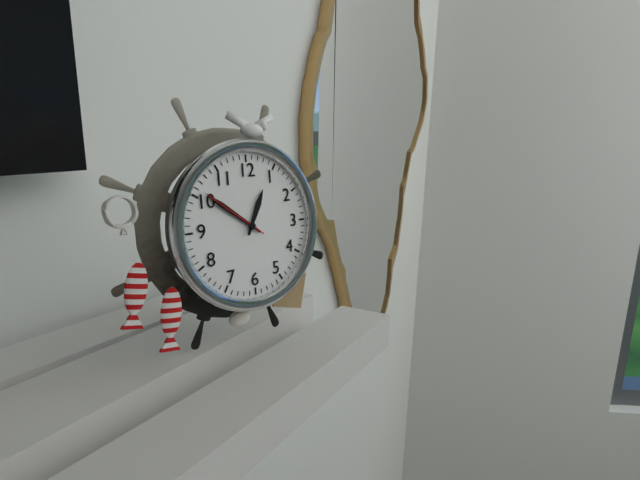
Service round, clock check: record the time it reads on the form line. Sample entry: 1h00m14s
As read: 12h51m51s
